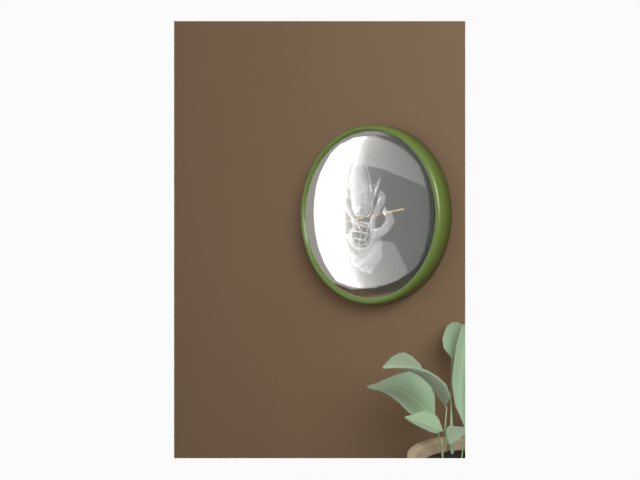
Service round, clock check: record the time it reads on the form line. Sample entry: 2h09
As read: 2h43
